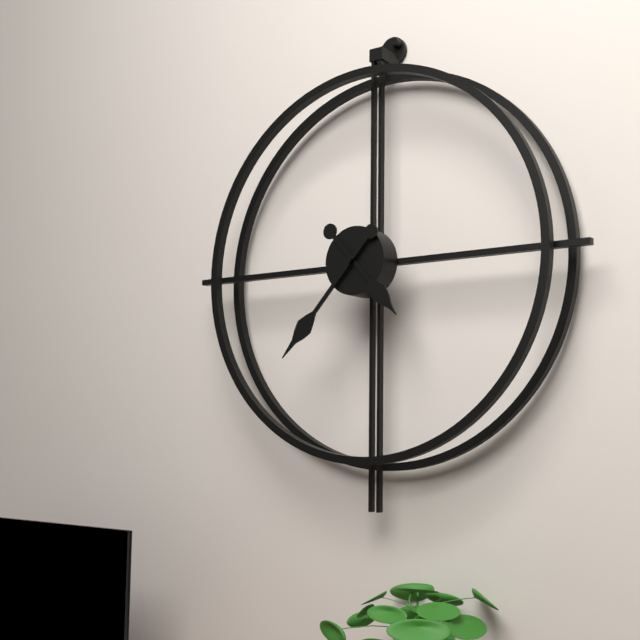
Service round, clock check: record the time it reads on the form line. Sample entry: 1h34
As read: 4h37
